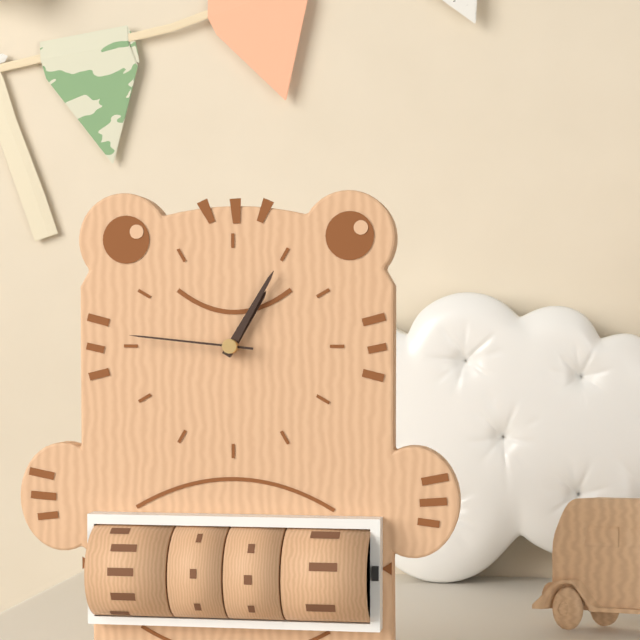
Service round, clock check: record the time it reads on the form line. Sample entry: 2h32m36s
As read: 1h05m46s
